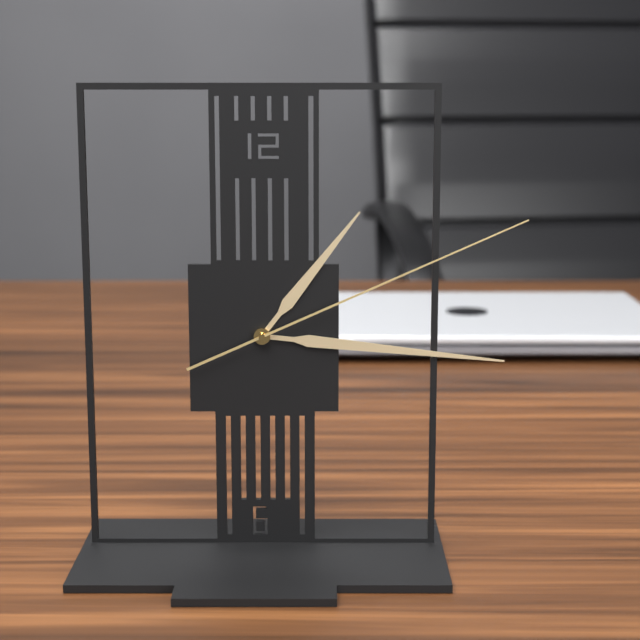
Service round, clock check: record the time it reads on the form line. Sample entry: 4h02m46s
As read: 1h16m11s
